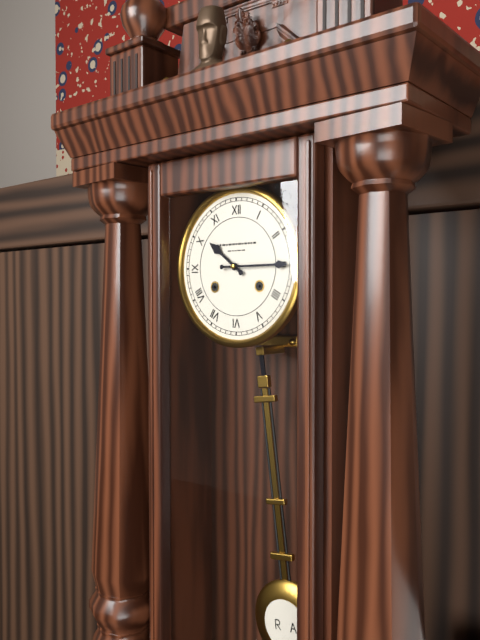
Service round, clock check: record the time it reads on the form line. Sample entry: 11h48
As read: 10h15
